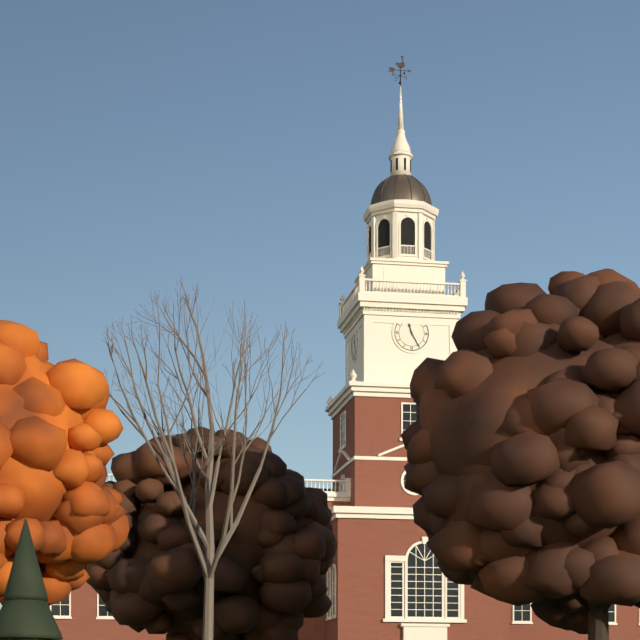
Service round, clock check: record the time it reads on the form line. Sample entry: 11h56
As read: 11h25
